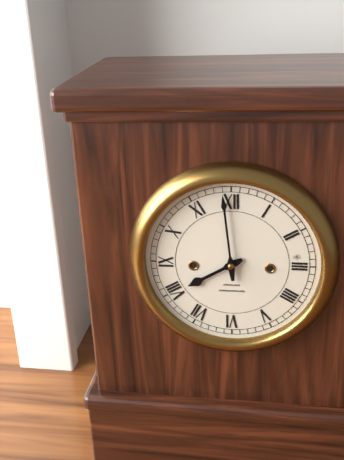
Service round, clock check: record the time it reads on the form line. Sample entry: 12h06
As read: 7h59
